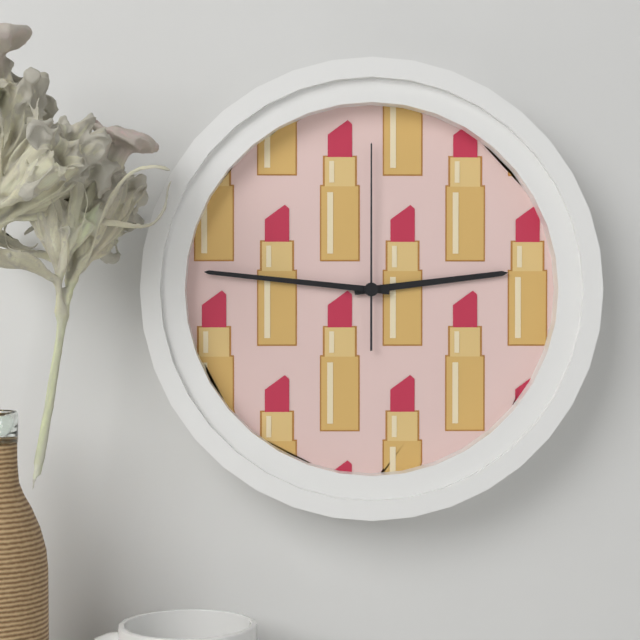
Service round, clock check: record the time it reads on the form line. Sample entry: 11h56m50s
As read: 2h46m00s
